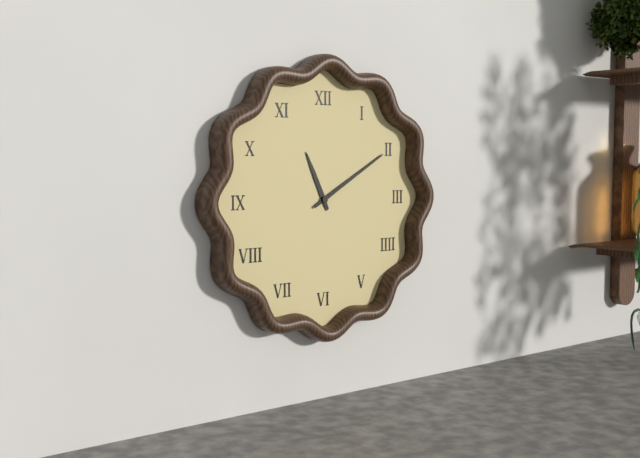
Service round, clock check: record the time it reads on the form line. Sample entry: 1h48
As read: 11h10
